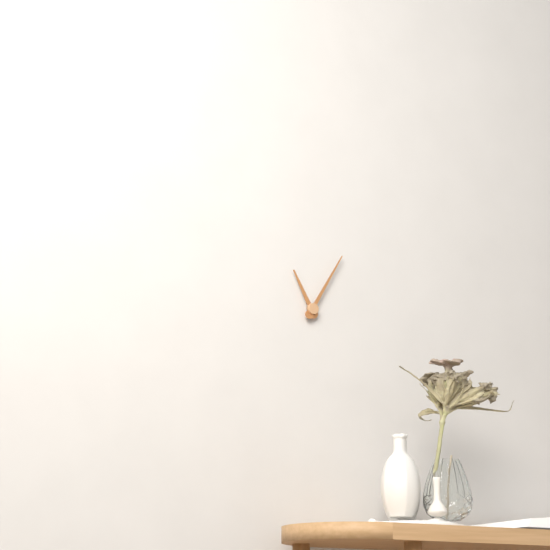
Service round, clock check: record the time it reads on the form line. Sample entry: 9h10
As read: 11h05
